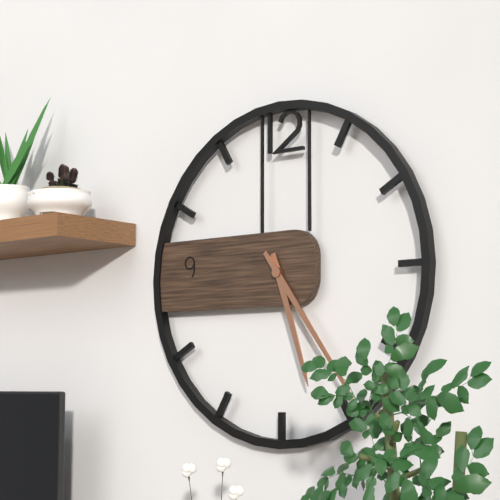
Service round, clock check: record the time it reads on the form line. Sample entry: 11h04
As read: 5h24
